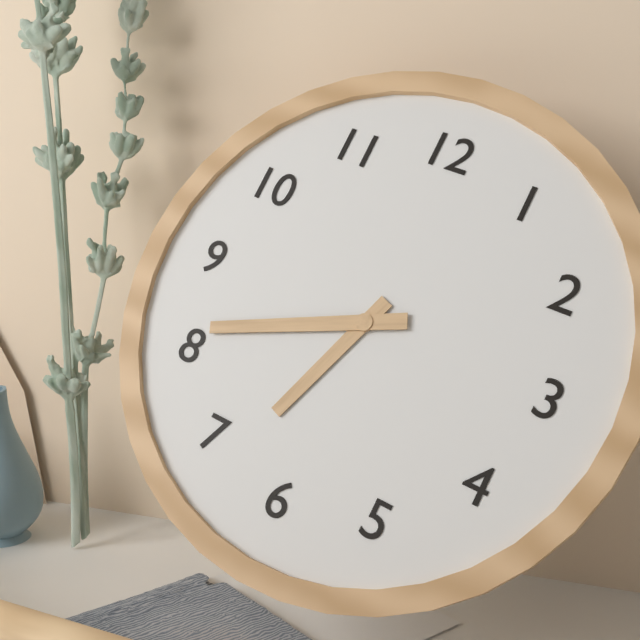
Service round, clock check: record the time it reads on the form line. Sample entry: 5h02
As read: 6h41
